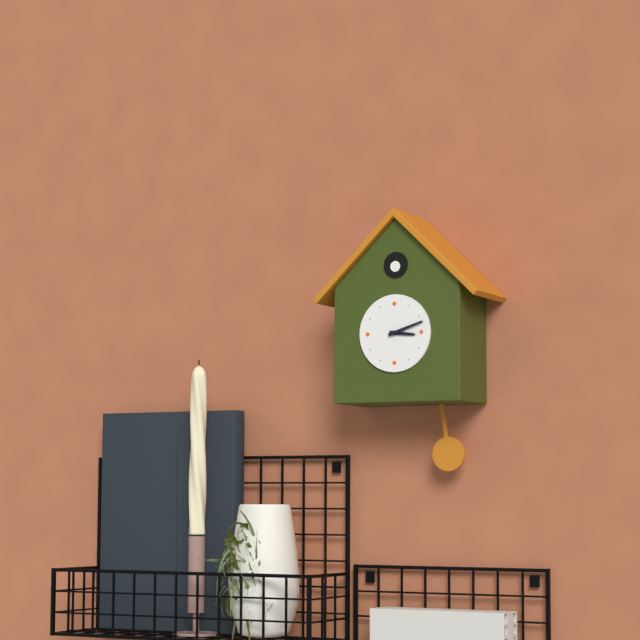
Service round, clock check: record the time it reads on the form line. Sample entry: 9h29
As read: 3h12
